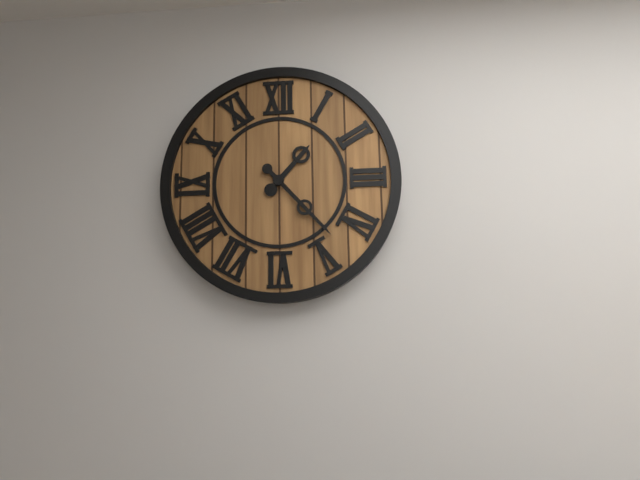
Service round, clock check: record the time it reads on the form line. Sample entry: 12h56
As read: 1h23
